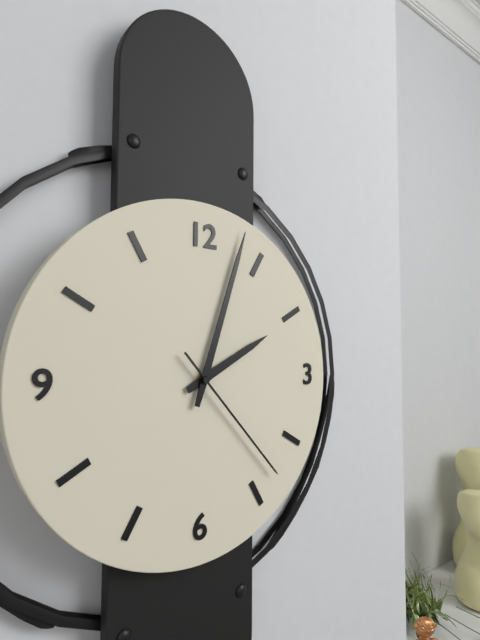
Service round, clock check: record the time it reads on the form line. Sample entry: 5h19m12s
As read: 2h03m23s
